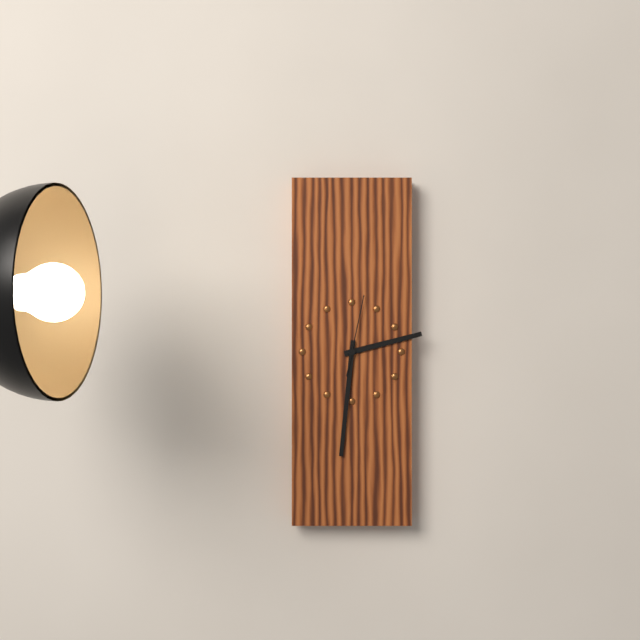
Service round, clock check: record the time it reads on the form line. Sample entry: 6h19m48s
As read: 2h31m02s
